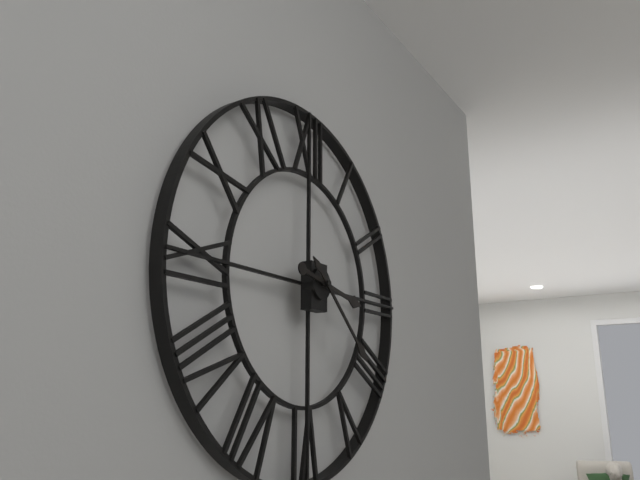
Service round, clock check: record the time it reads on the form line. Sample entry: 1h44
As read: 3h22
